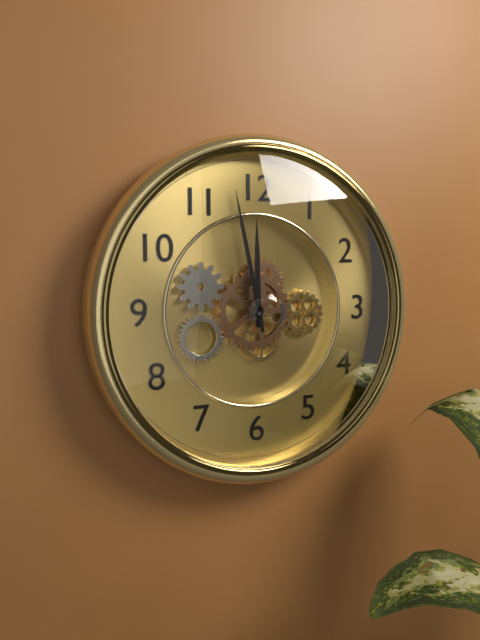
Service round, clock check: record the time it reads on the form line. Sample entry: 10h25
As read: 11h58
